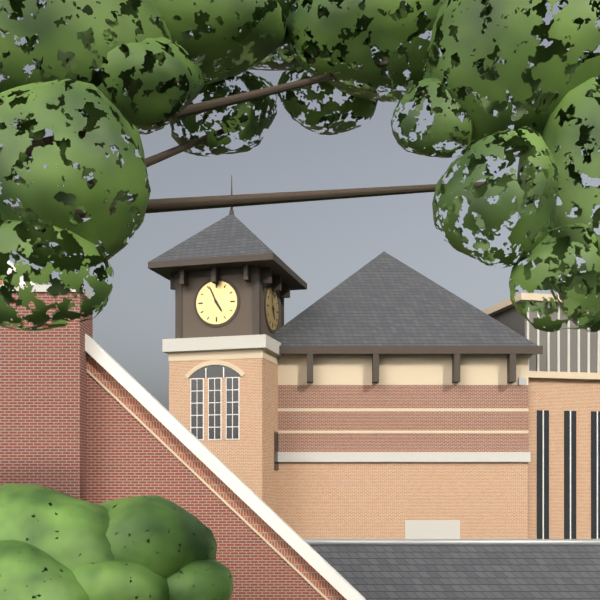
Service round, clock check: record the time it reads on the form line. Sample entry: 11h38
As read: 4h56
